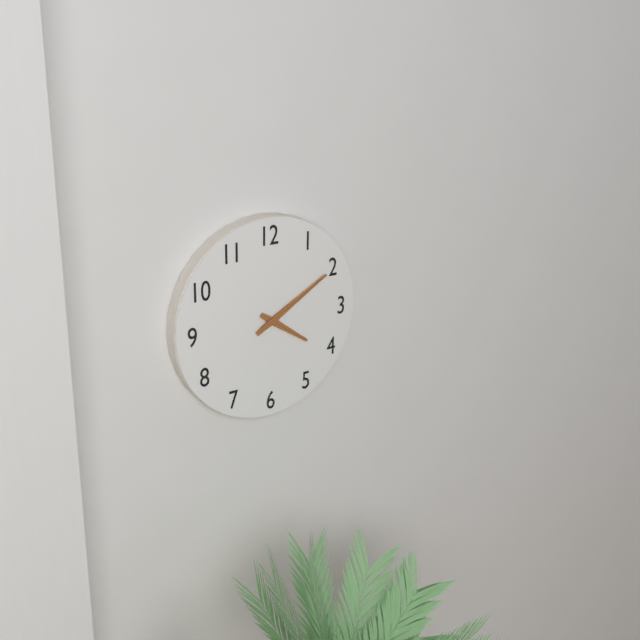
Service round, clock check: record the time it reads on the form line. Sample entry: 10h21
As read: 4h10
